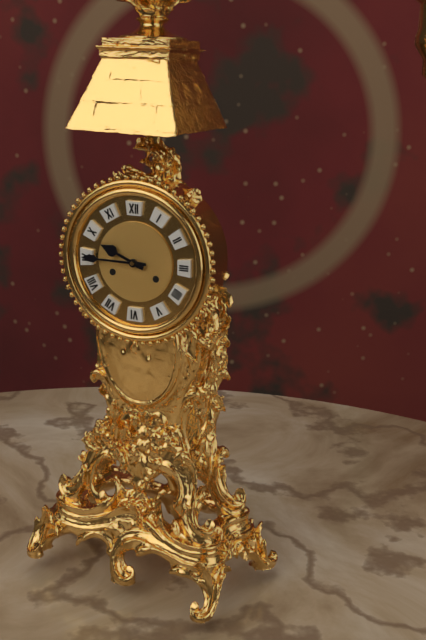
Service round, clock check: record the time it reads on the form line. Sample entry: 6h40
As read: 9h45
